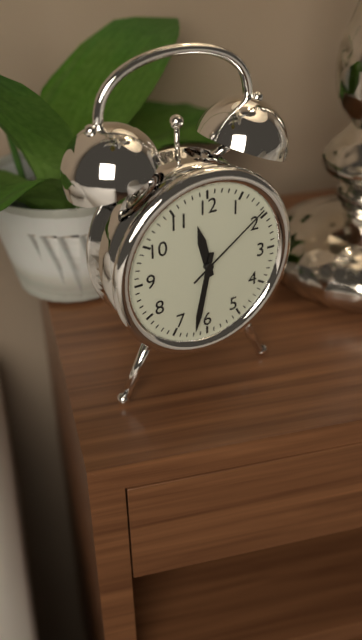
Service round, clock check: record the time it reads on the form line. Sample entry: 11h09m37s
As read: 11h32m09s
